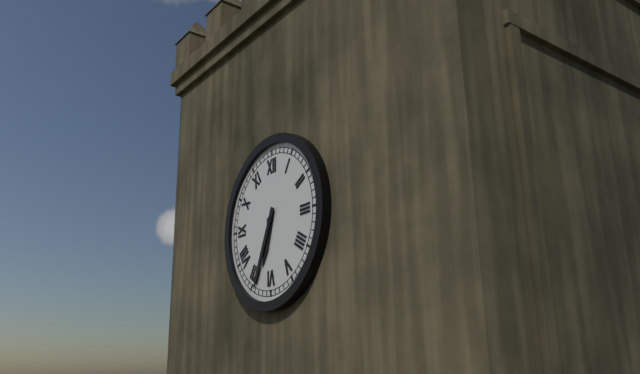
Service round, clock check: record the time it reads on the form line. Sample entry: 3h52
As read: 6h34
